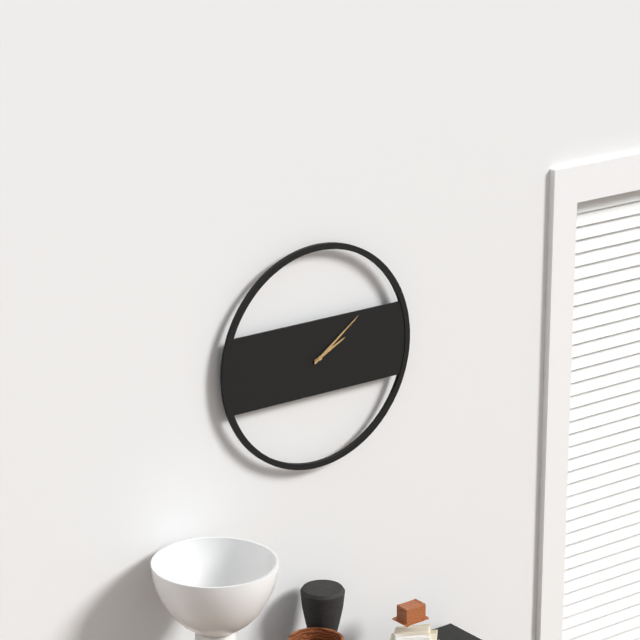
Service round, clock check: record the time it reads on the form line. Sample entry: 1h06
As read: 2h09
